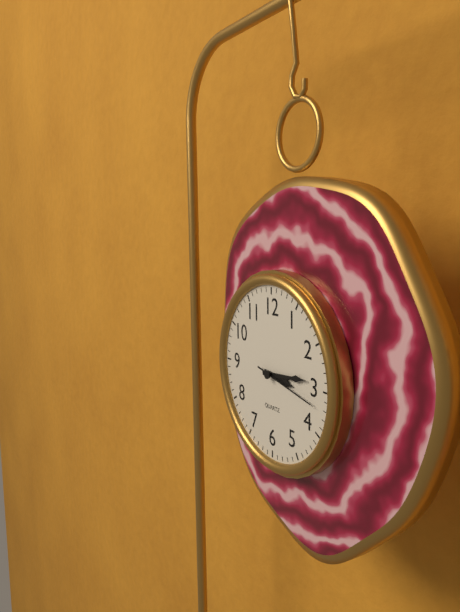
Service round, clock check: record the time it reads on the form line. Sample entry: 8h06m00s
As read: 3h14m17s
